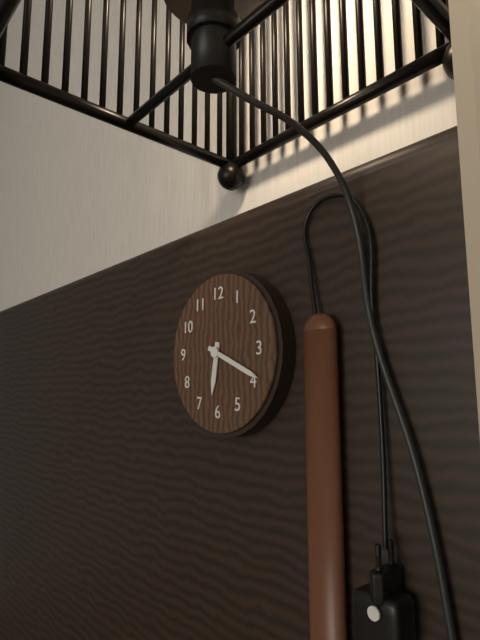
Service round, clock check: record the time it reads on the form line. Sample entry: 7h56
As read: 6h19
